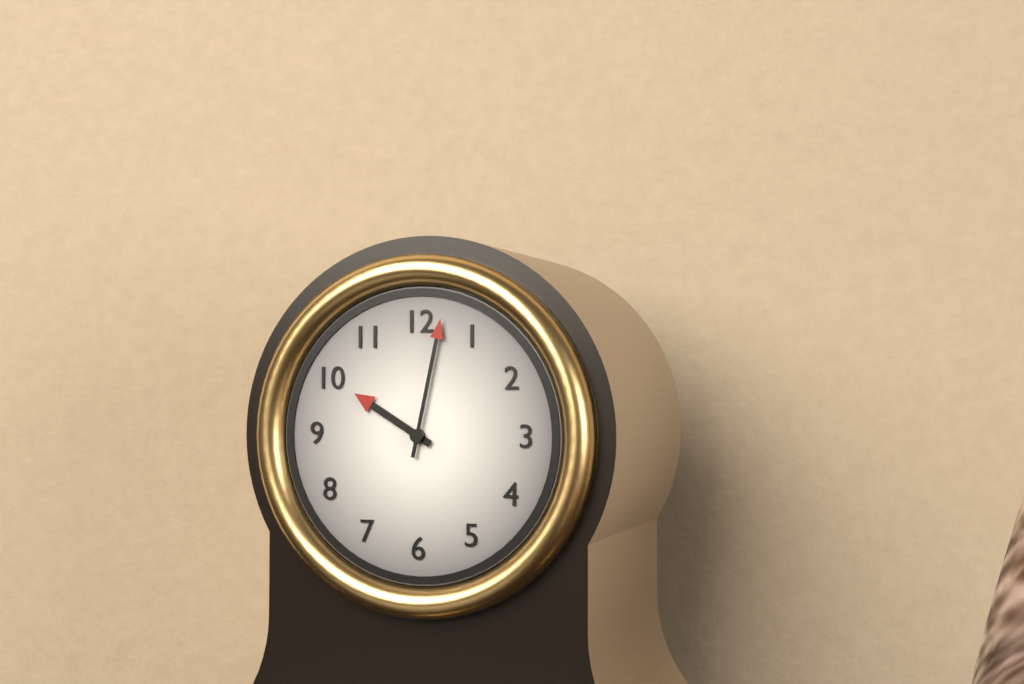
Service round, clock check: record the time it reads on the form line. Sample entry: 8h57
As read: 10h02
